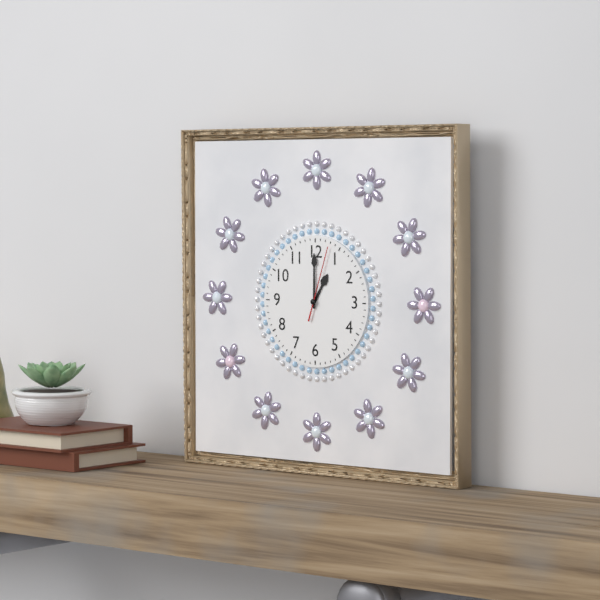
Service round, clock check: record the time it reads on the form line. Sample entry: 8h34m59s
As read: 1h00m03s
